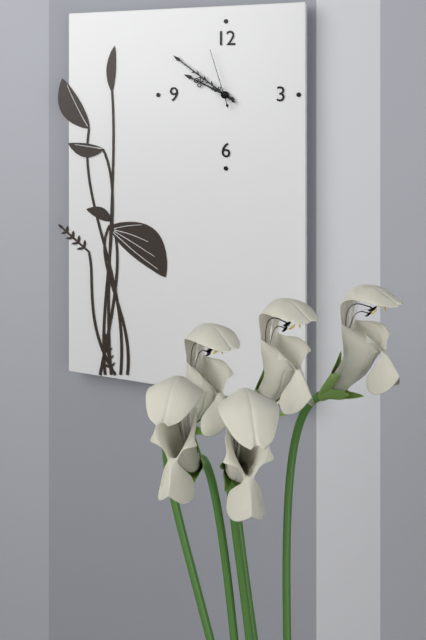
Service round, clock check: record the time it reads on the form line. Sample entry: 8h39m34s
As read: 9h51m57s
